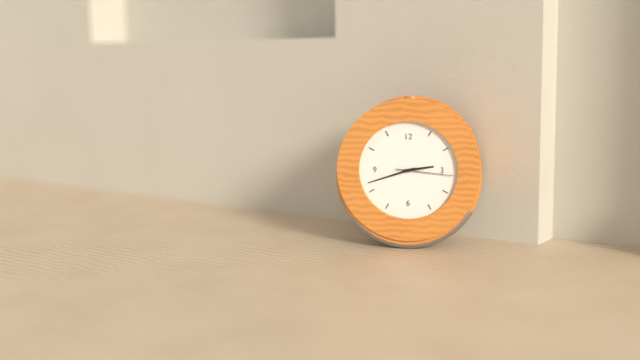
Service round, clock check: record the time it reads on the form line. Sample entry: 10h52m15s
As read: 2h42m16s
